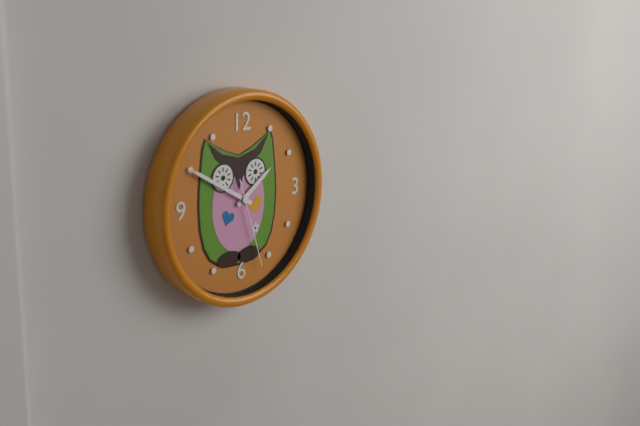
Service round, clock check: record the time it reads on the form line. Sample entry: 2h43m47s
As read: 1h50m27s
